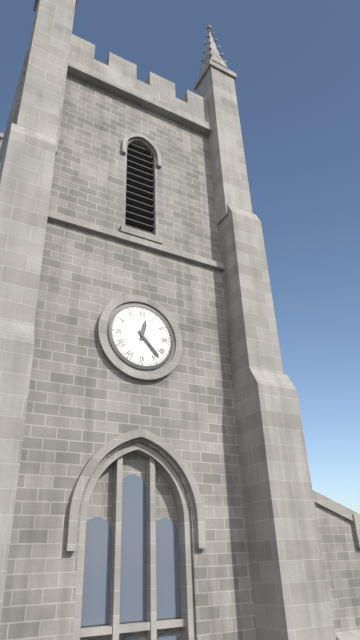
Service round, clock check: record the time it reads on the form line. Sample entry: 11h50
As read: 12h23
